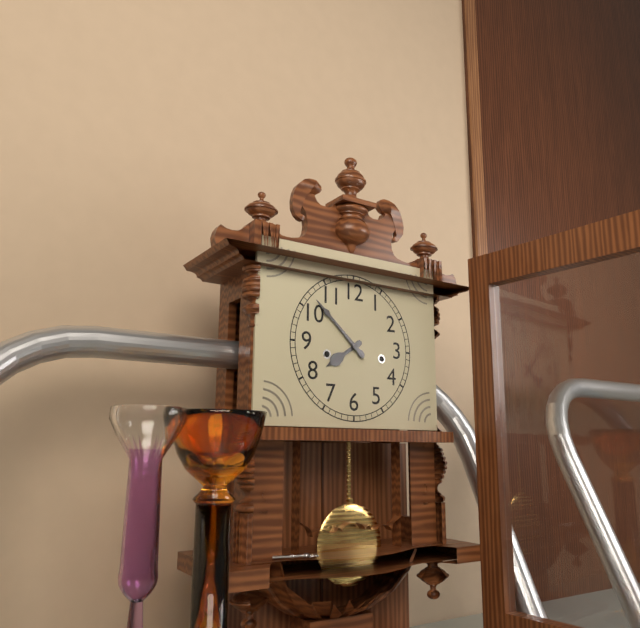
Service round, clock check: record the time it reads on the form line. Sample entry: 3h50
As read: 7h52
